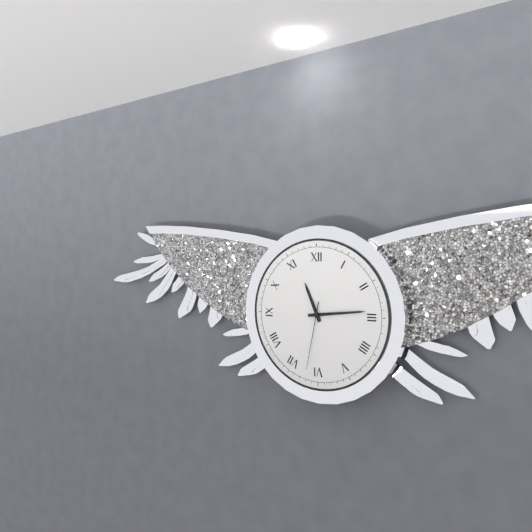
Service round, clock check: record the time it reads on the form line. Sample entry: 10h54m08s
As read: 11h14m32s
